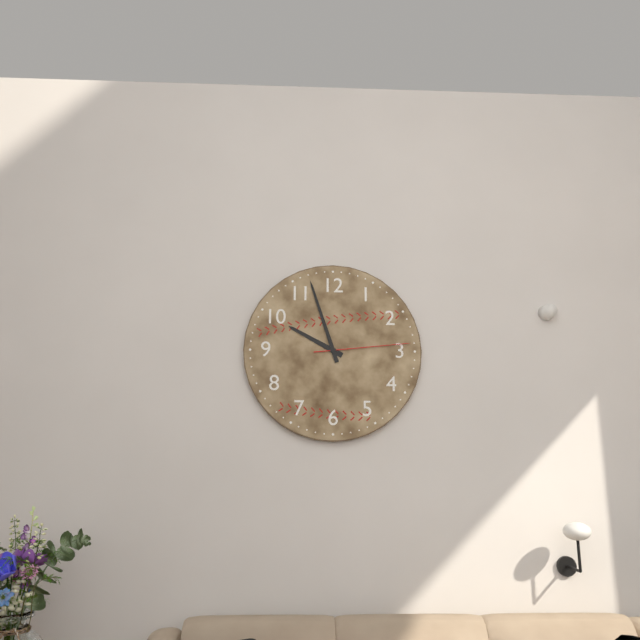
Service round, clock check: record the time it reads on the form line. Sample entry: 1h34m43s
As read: 9h57m14s
